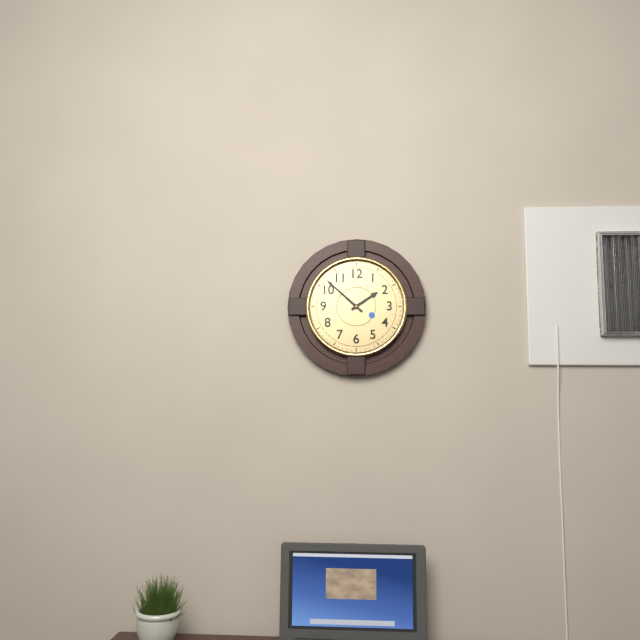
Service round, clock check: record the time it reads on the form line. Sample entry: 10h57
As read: 1h52
